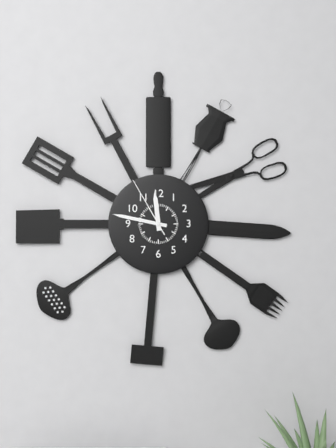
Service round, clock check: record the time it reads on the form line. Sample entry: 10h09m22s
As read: 11h47m55s
